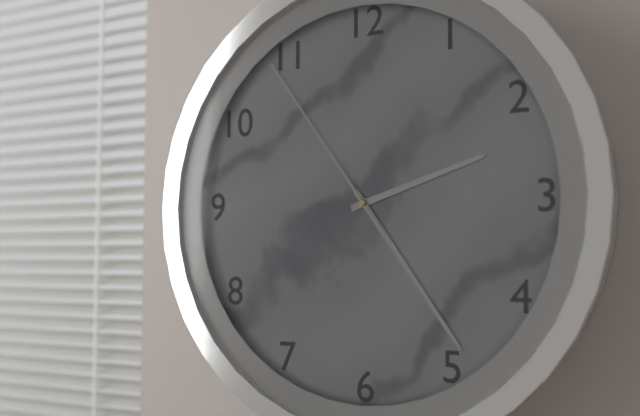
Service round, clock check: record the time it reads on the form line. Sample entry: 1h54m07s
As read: 2h24m54s
